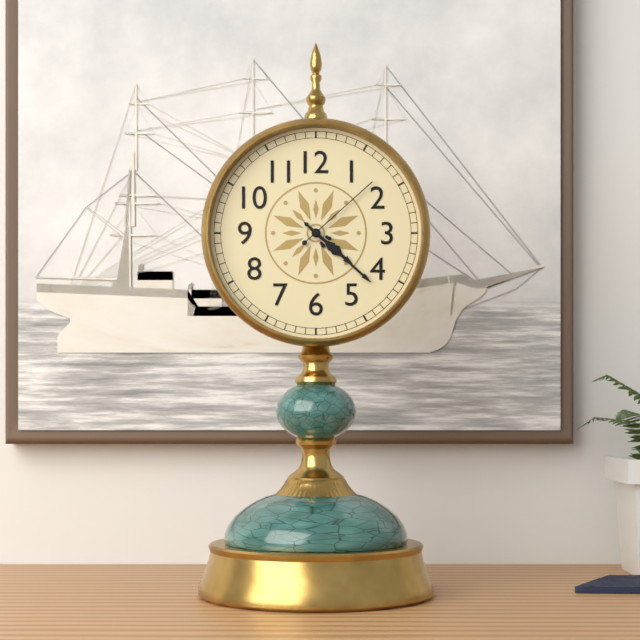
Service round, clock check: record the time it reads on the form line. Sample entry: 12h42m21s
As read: 4h22m08s
